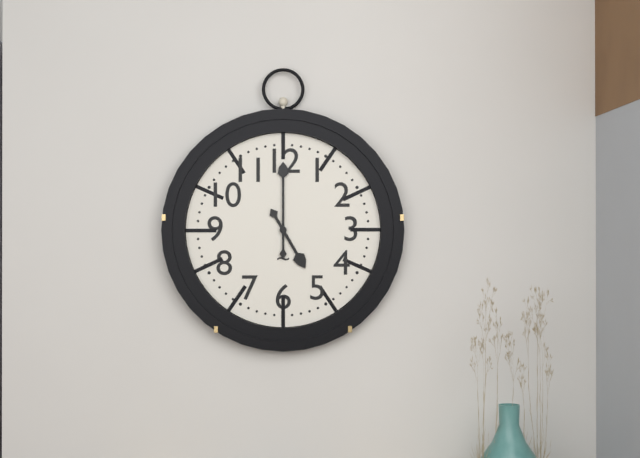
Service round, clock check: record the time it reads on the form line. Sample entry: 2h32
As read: 5h00
